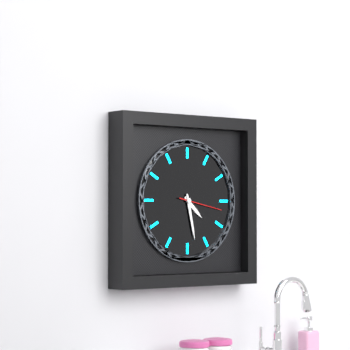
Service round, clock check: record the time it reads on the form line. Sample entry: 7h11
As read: 4h28
